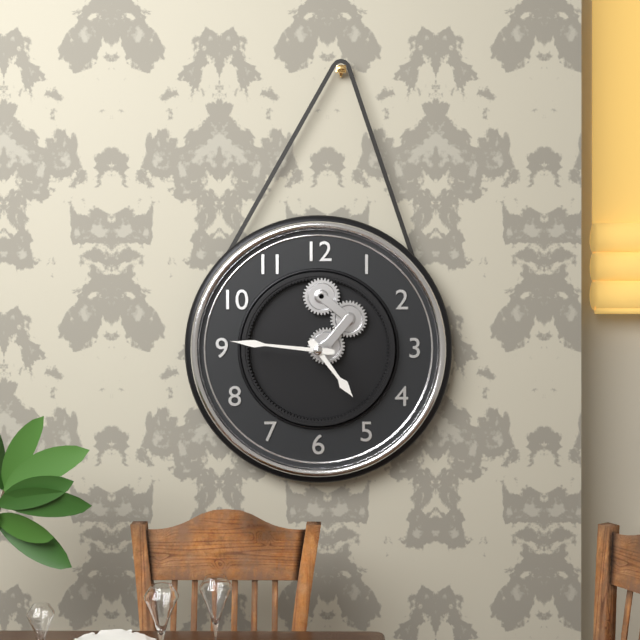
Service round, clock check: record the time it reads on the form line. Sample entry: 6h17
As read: 4h46
